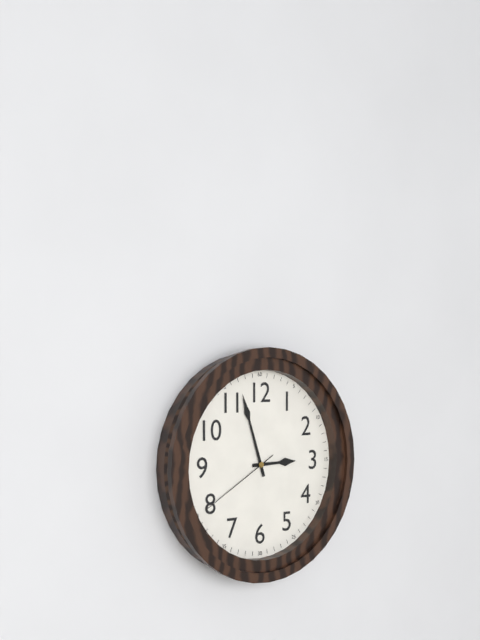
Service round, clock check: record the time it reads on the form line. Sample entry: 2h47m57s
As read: 2h57m40s
